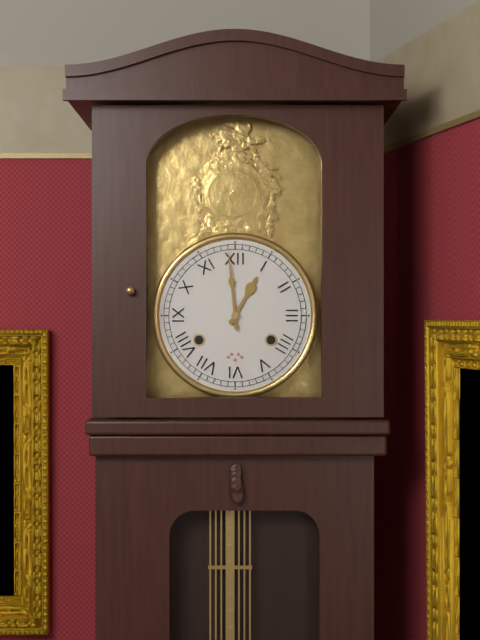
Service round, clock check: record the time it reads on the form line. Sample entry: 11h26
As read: 12h59
